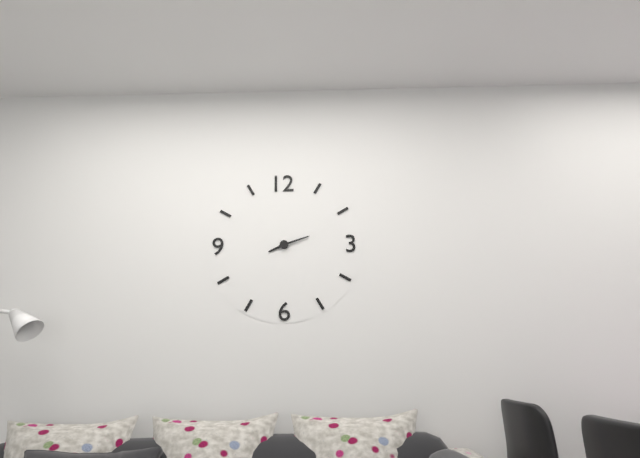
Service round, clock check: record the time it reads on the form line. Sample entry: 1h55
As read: 8h12
